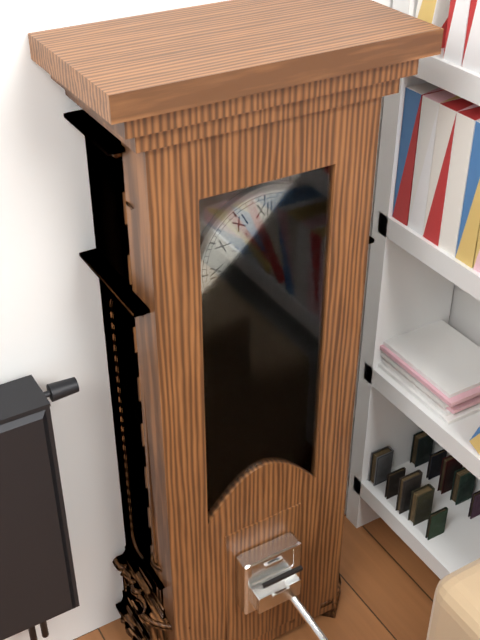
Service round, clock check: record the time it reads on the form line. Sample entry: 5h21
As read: 1h06
